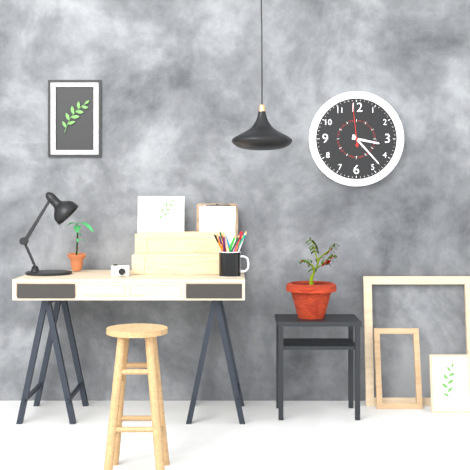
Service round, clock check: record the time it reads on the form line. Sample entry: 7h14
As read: 3h23
